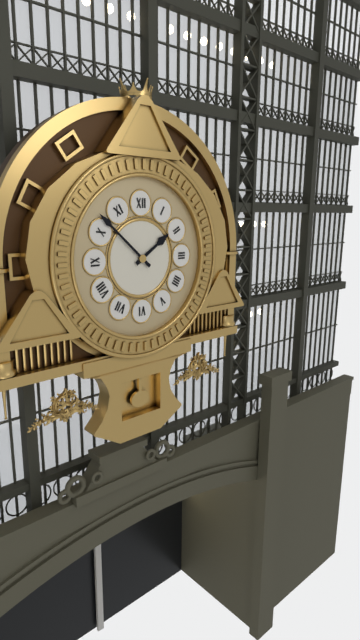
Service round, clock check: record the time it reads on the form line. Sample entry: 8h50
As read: 1h52
